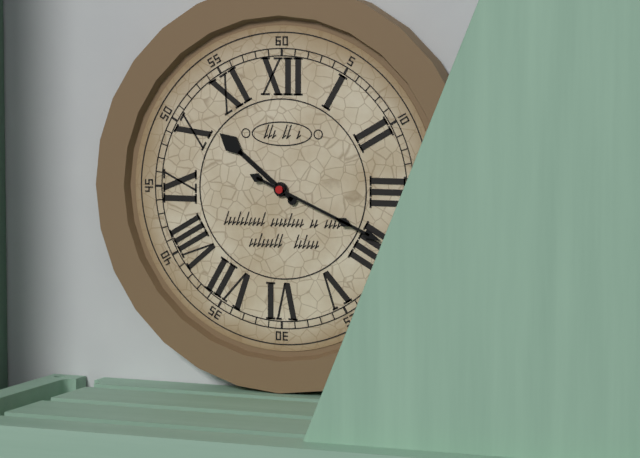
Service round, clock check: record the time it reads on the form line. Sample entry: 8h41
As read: 10h19
